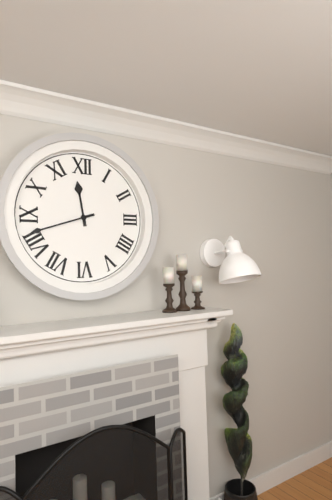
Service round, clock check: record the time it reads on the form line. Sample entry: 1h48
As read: 11h42
